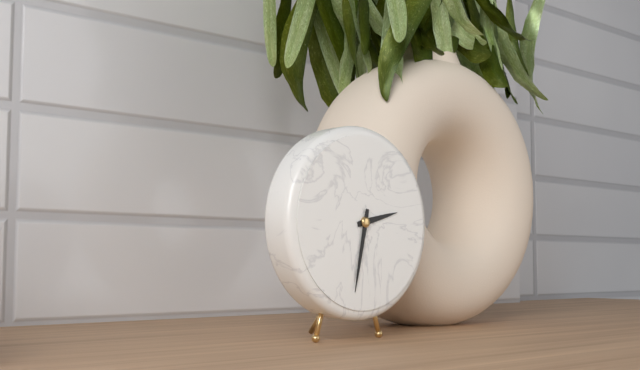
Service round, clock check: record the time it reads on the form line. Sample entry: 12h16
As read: 2h32
